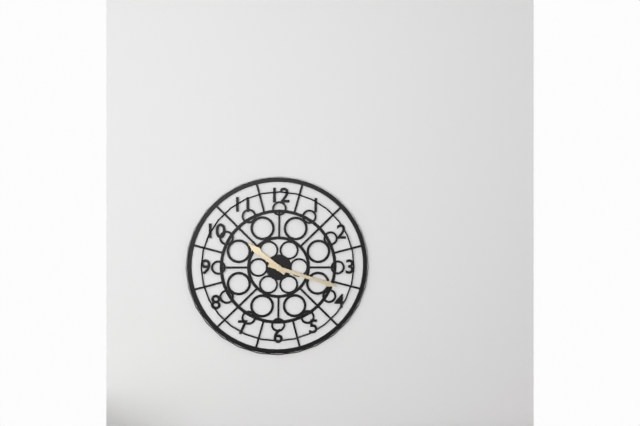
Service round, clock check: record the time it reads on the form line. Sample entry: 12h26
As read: 10h18
